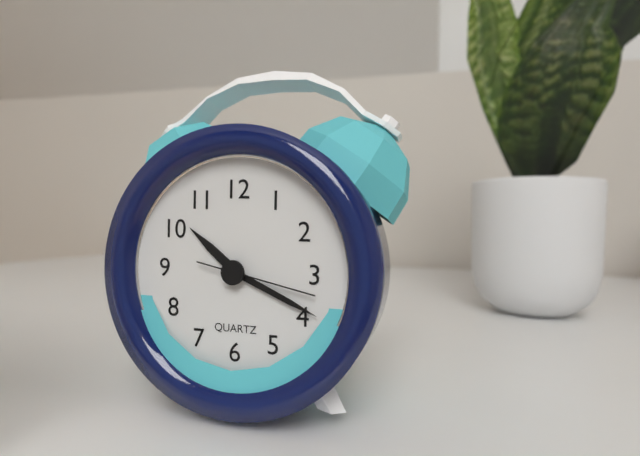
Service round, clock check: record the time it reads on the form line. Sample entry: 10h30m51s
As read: 10h19m17s
